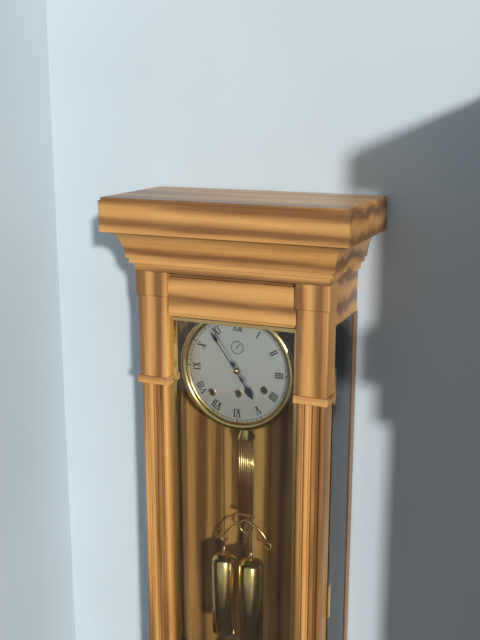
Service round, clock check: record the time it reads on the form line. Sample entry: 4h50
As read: 4h54
